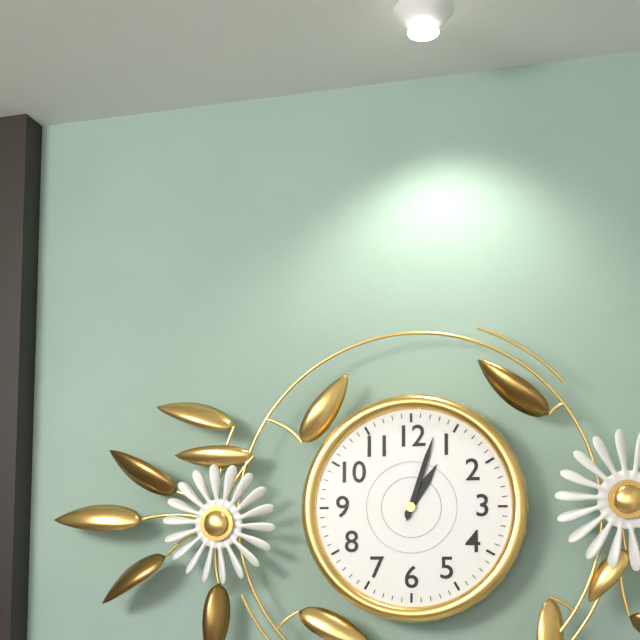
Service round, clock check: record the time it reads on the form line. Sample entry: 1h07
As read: 1h03
